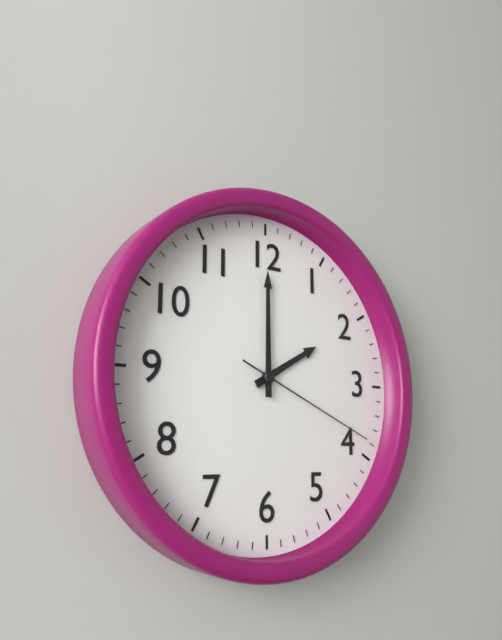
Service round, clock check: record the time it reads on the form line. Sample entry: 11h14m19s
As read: 2h00m19s
